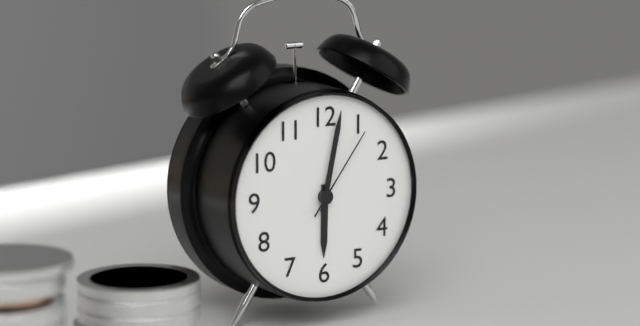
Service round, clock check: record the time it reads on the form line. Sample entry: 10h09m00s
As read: 6h02m06s
